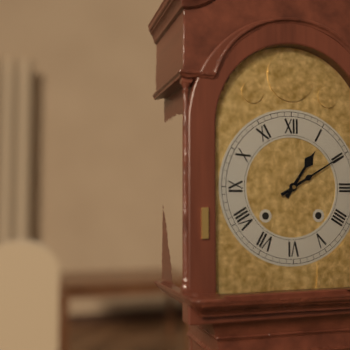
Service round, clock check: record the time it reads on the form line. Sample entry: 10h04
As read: 1h10
